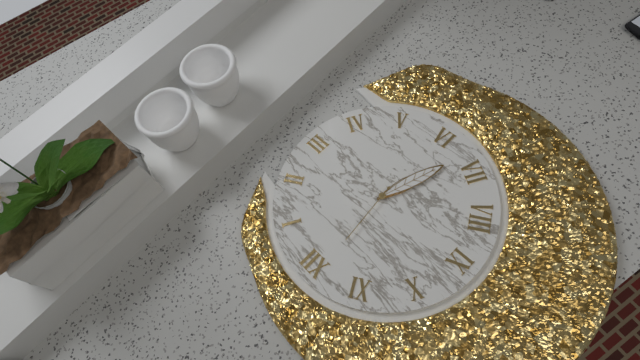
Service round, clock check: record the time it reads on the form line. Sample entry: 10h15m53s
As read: 6h33m59s
